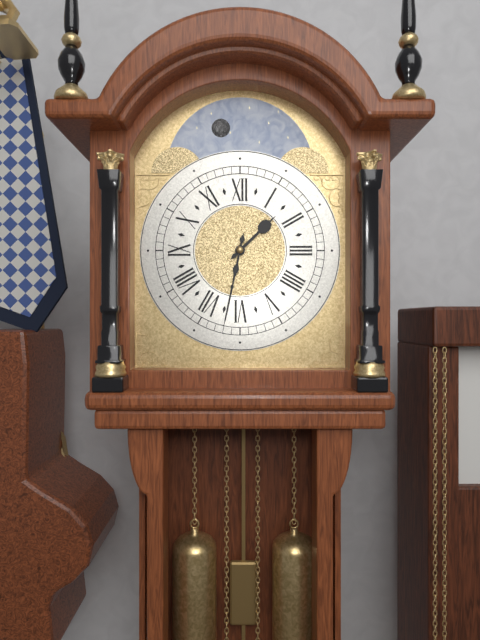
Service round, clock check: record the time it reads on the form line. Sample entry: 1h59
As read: 1h32
